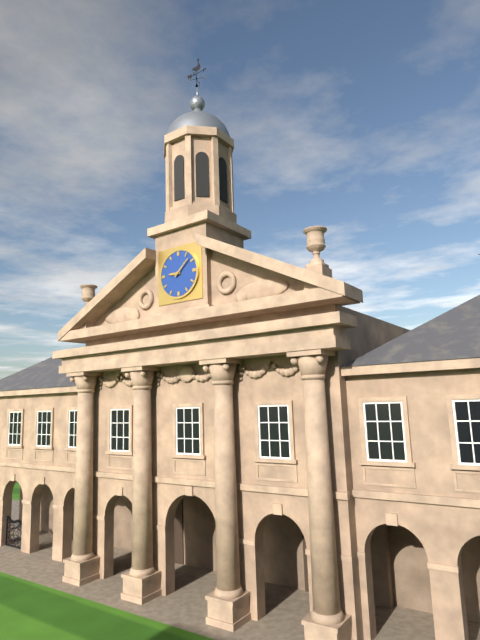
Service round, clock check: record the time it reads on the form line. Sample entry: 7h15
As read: 9h08
